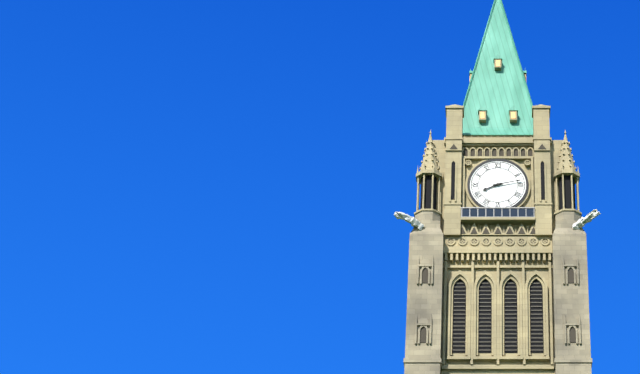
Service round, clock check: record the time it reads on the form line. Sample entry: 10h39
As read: 8h13
